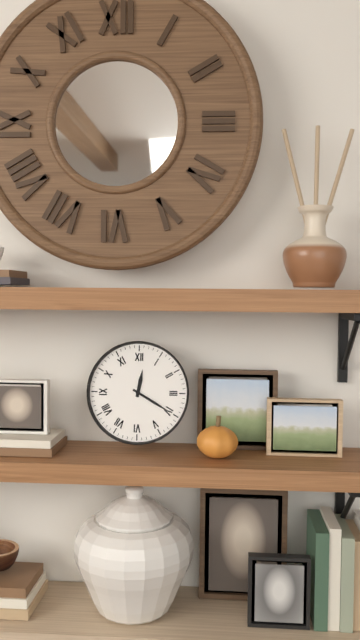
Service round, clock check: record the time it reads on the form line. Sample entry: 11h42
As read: 12h20
